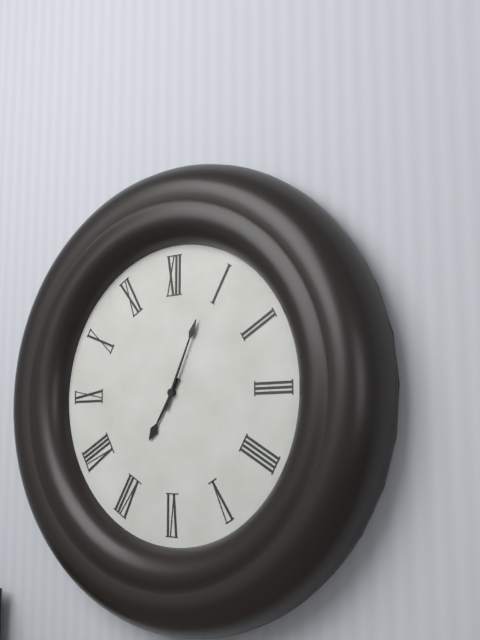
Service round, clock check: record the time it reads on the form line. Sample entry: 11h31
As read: 7h04
